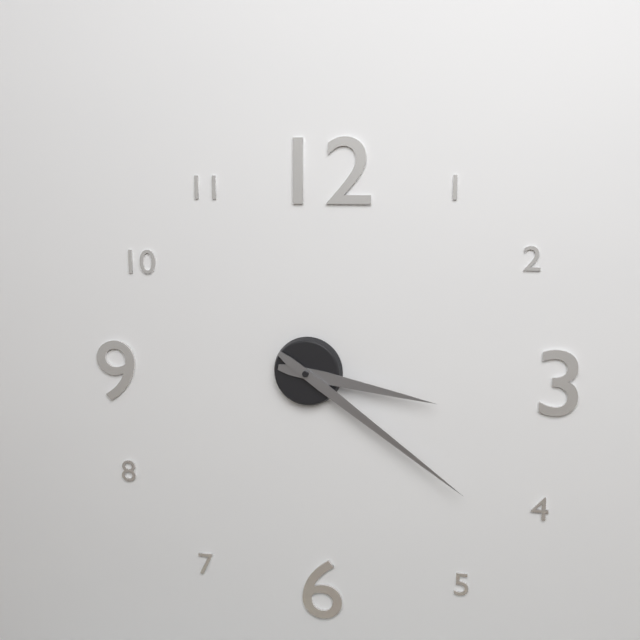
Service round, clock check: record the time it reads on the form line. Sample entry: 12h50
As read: 3h21
